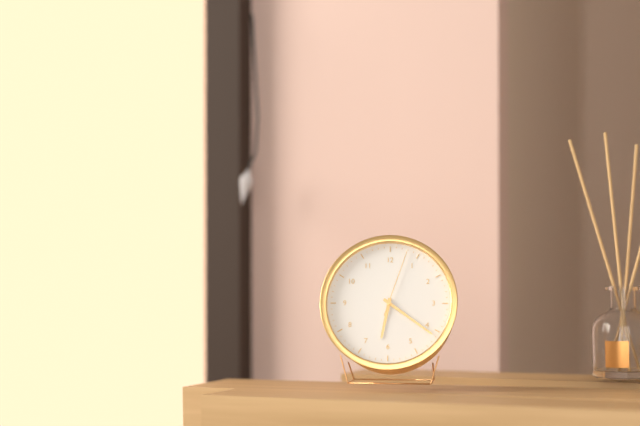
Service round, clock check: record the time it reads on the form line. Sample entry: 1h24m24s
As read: 6h21m03s
